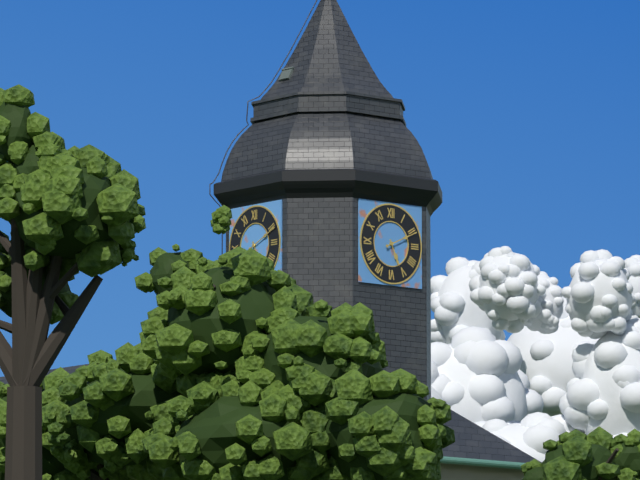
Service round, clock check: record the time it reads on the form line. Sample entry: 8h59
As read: 5h11
